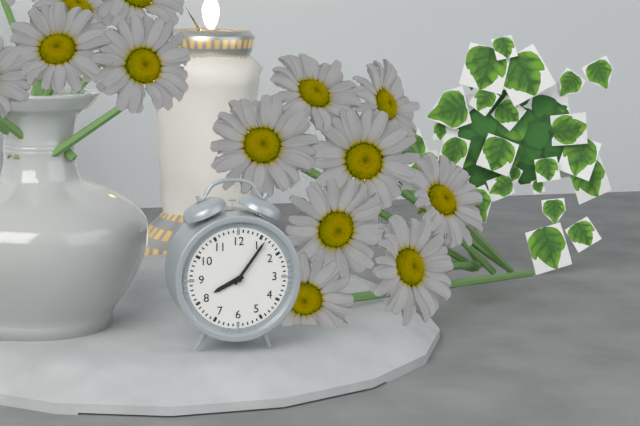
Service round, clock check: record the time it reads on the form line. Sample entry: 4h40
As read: 8h06
